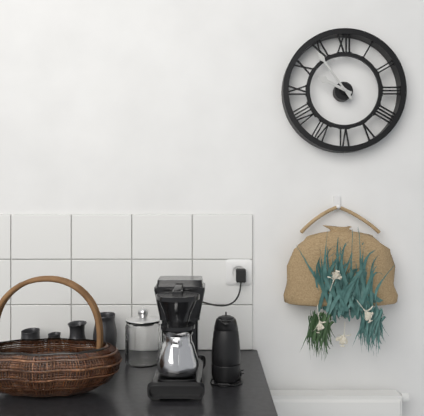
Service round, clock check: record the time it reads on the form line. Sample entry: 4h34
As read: 9h54
